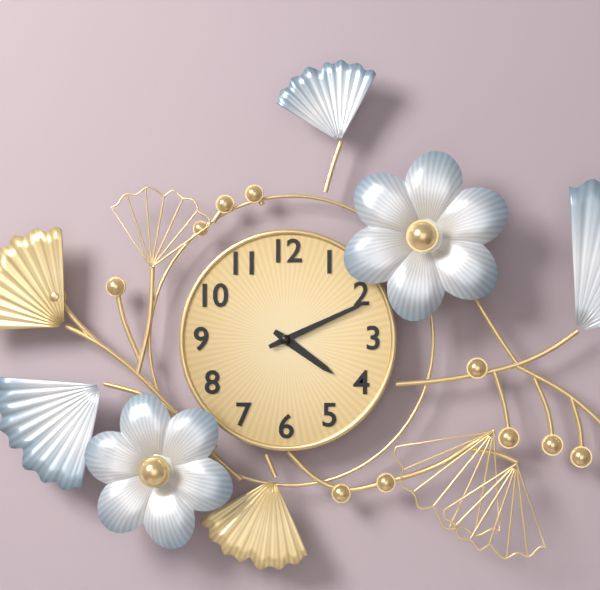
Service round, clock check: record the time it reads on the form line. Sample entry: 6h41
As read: 4h11
